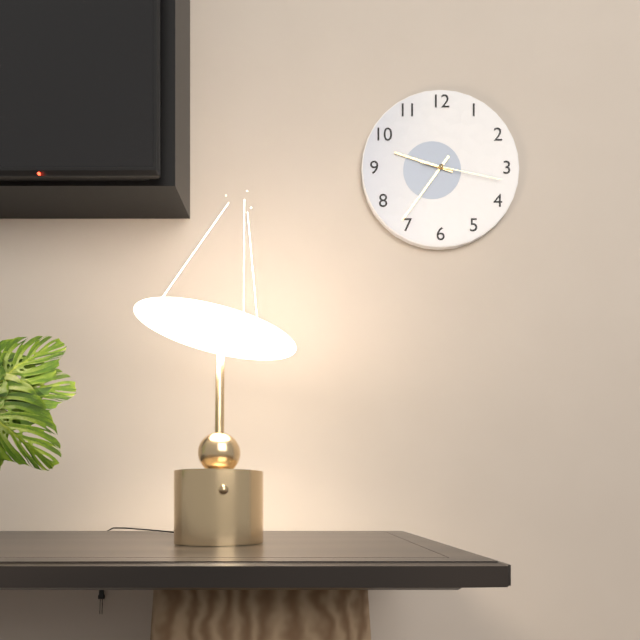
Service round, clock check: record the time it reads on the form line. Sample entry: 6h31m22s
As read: 9h36m17s
